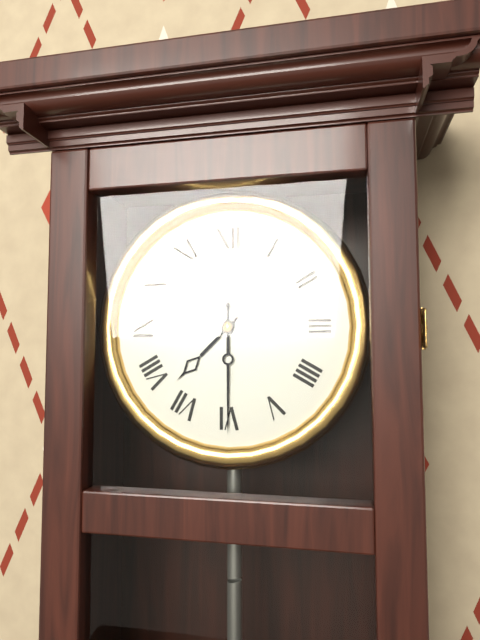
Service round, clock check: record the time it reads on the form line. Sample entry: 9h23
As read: 7h30
